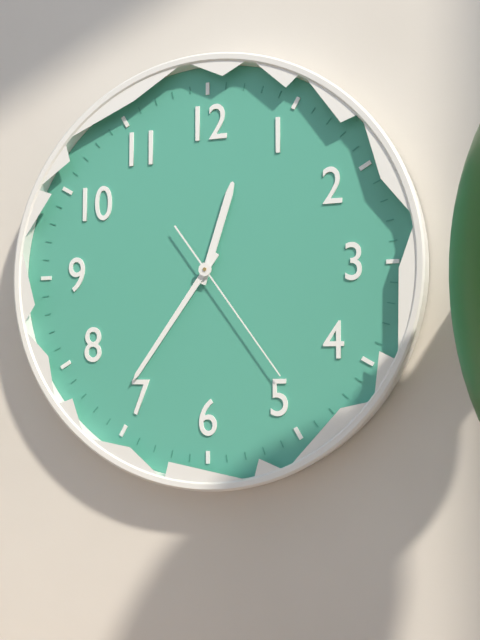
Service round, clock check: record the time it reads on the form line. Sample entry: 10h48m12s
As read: 12h36m24s
